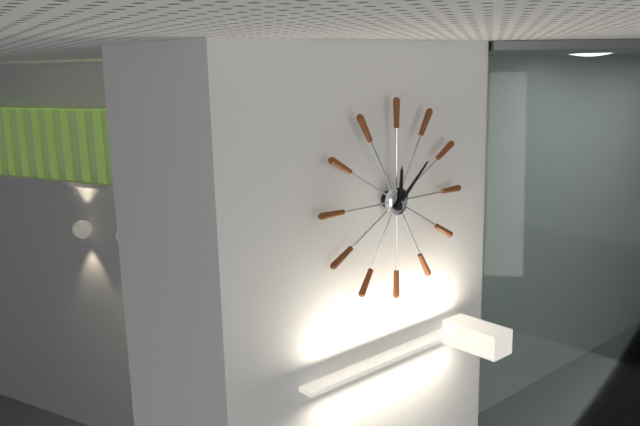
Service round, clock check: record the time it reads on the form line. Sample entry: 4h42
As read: 12h08
